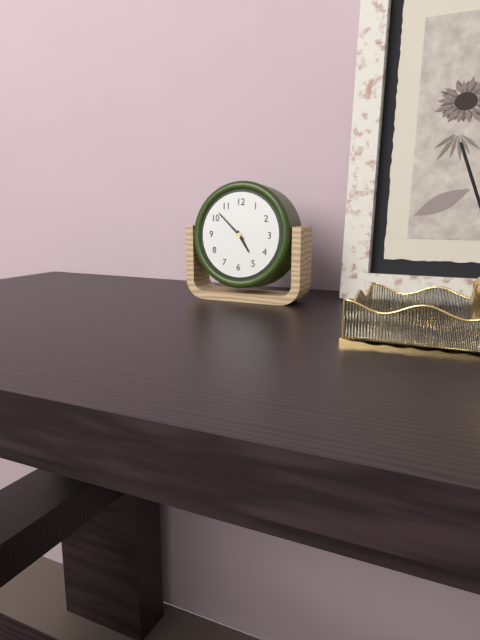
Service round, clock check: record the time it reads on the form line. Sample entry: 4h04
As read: 4h52
